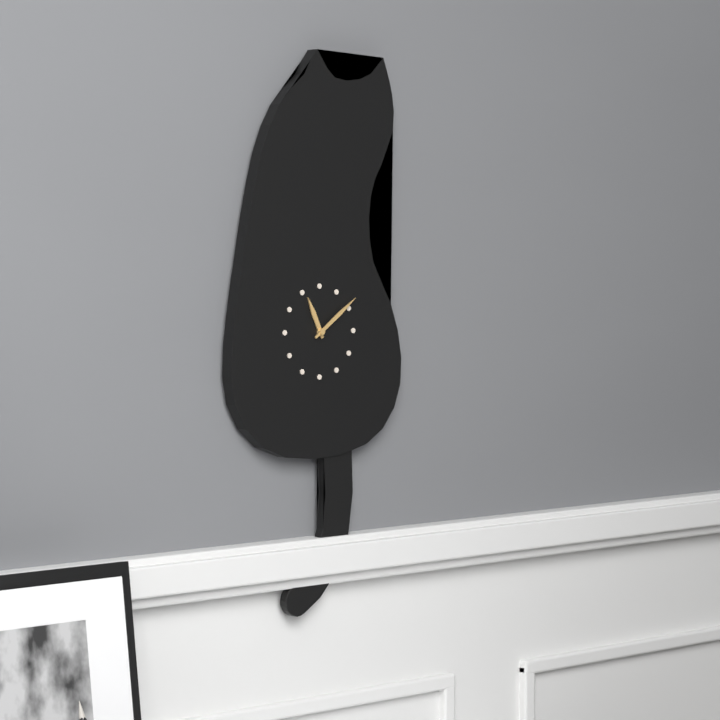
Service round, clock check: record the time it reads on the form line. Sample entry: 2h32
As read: 11h09
